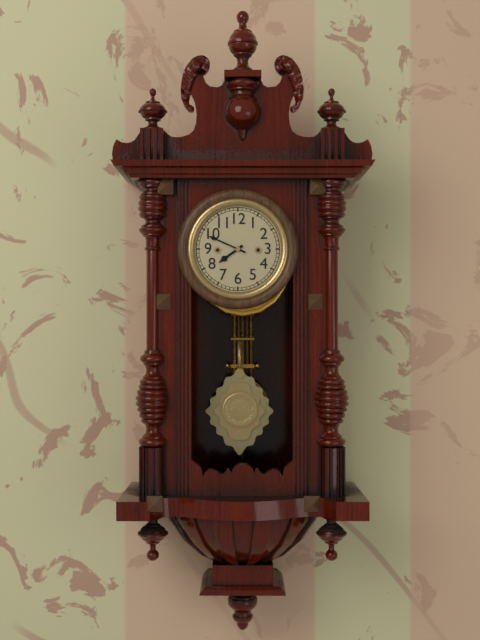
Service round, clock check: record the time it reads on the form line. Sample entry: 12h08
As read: 7h49
